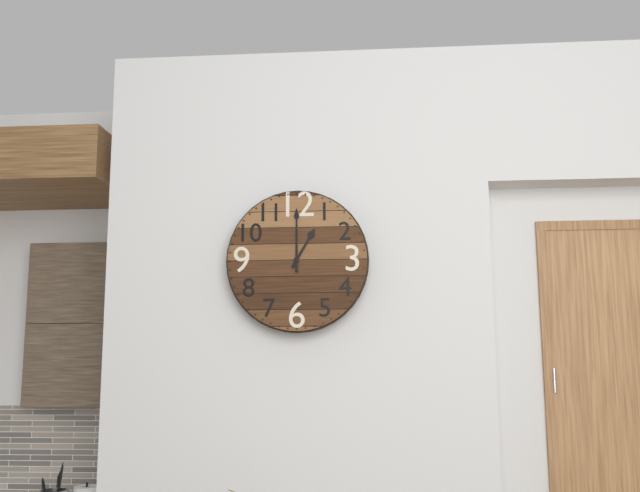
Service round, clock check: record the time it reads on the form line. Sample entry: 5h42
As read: 1h00
